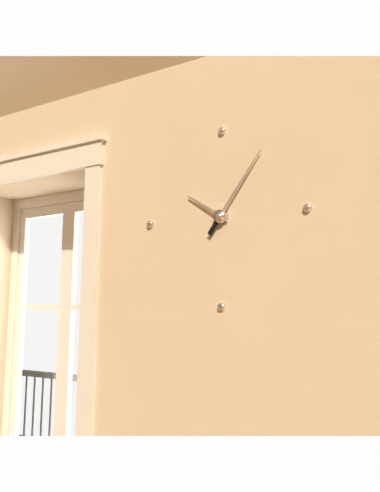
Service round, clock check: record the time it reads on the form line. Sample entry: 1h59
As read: 10h06
